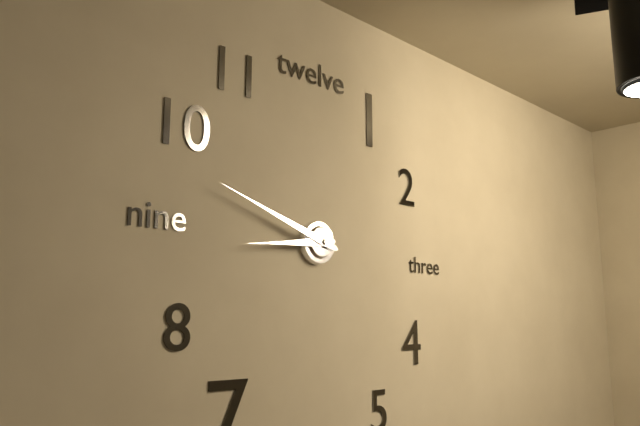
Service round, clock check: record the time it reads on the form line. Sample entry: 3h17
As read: 8h48
